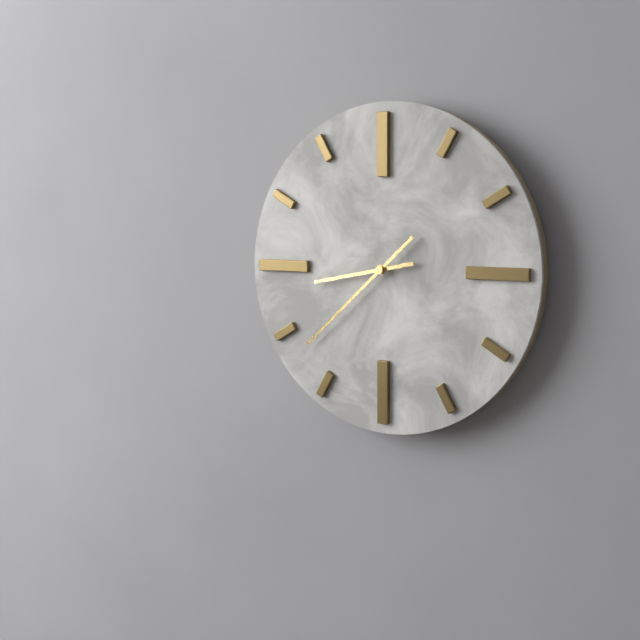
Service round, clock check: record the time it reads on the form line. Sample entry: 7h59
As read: 8h38
